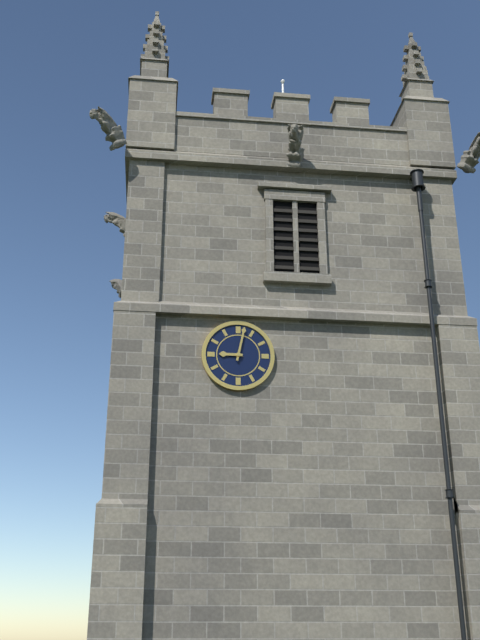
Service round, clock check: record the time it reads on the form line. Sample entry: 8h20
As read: 9h02
